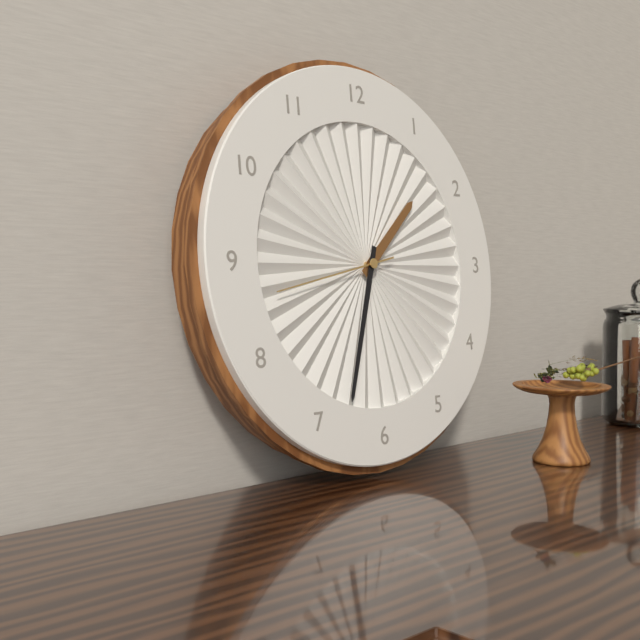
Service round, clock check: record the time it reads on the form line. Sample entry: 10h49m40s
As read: 1h33m43s
